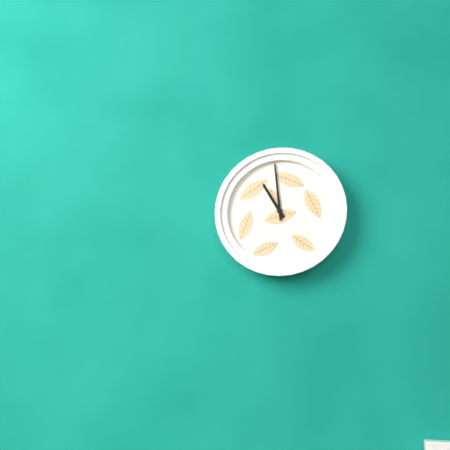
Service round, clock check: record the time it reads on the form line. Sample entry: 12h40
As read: 10h59
